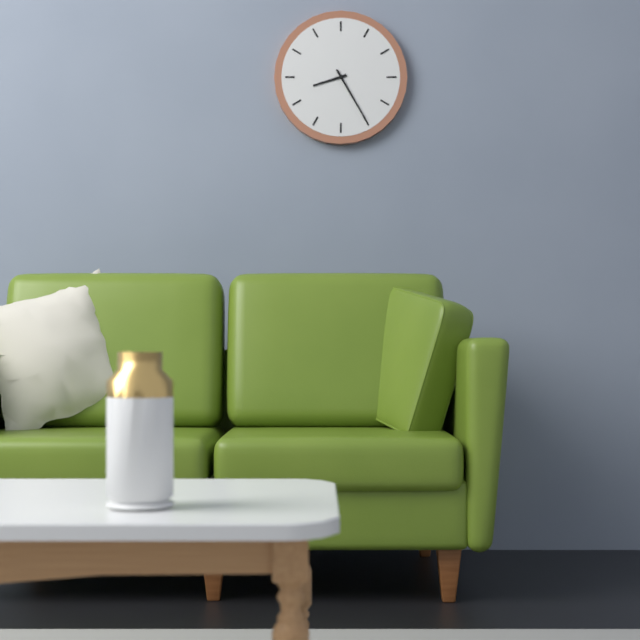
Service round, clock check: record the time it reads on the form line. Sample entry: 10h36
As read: 8h25
